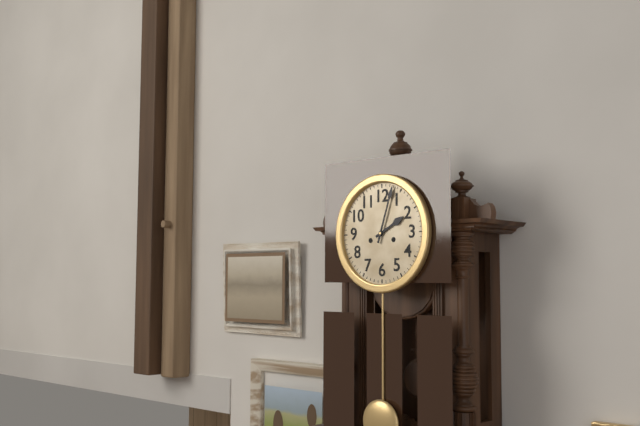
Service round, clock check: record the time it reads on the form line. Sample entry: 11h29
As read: 2h03
